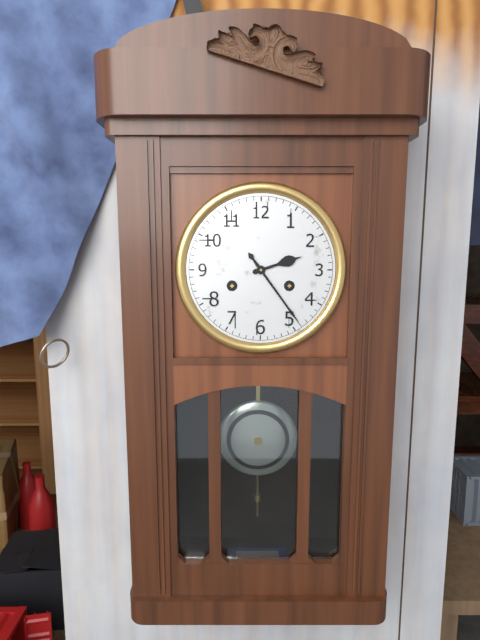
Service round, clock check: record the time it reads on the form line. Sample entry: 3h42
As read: 2h24
